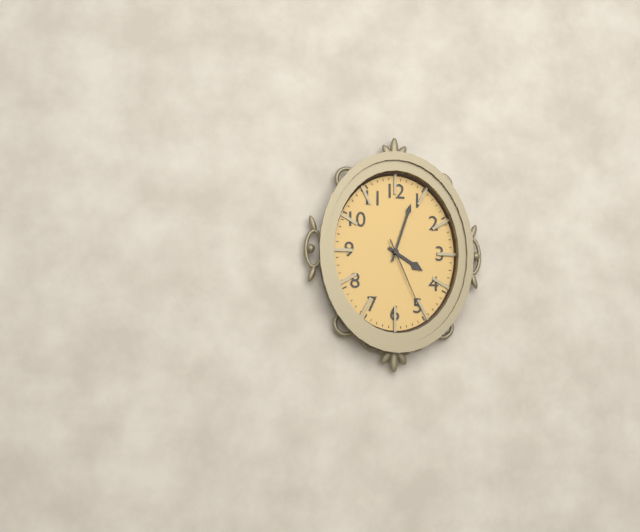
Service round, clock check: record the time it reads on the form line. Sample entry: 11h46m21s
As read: 4h03m26s
